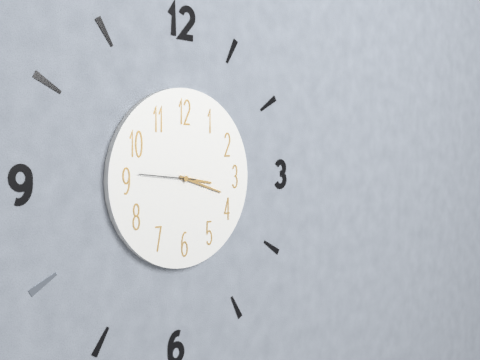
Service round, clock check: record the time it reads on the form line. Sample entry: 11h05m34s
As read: 3h18m46s
